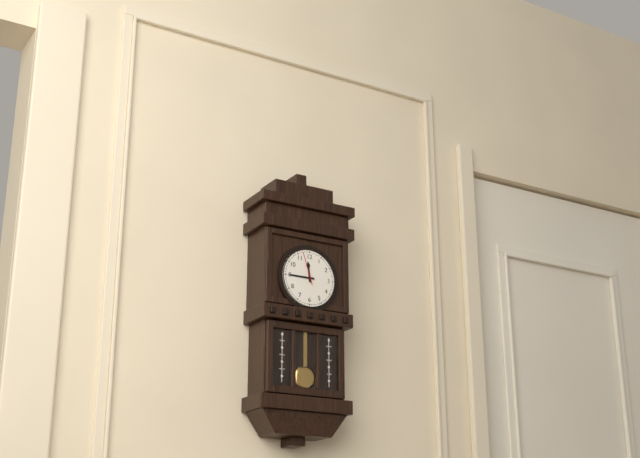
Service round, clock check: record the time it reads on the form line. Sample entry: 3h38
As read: 11h45
